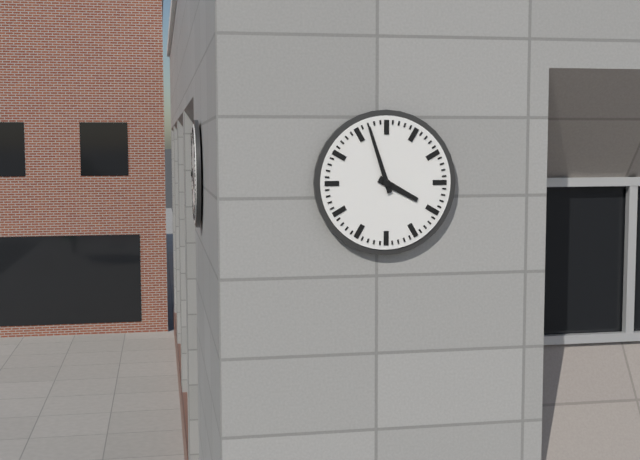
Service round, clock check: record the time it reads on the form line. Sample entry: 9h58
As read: 3h57
